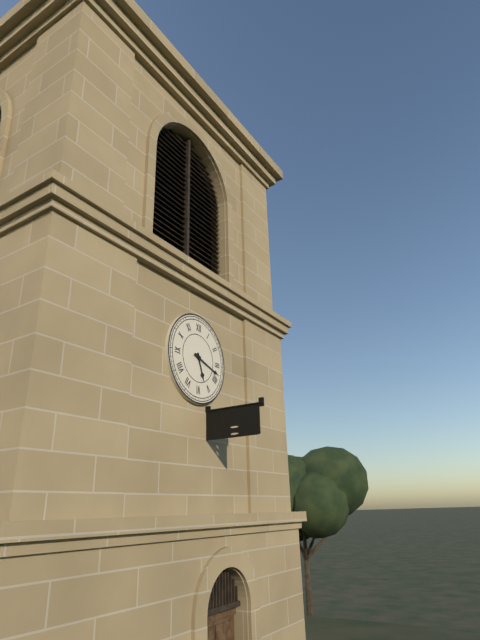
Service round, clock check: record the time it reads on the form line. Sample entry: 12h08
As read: 5h18
